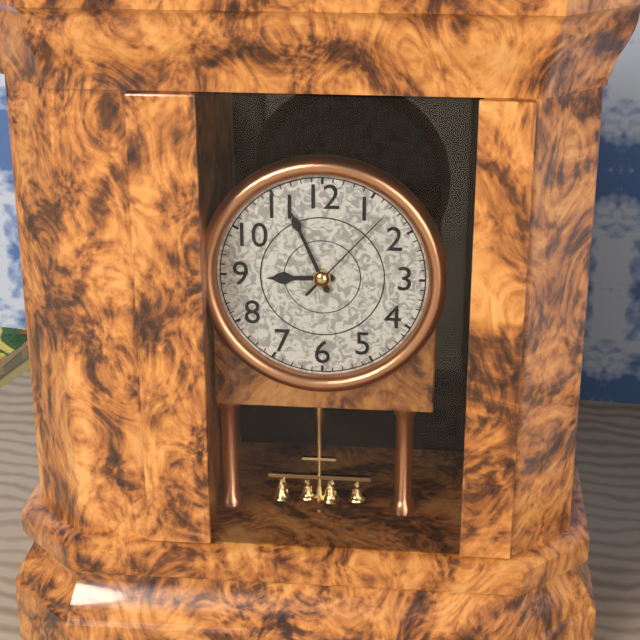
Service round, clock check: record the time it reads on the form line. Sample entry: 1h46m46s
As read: 8h56m07s
